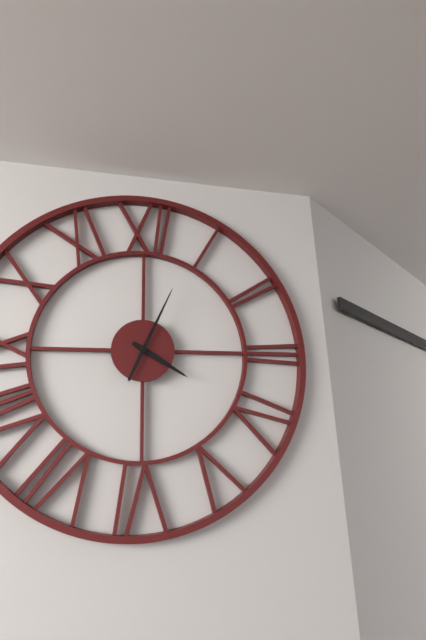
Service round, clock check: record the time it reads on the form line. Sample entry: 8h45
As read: 4h04
